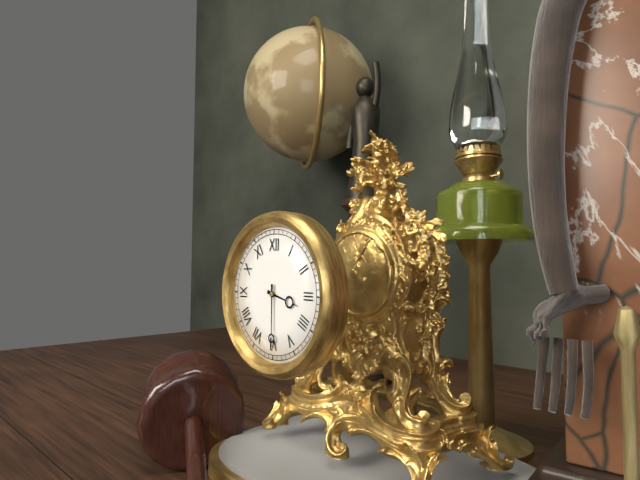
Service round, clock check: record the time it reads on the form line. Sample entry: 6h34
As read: 3h30
